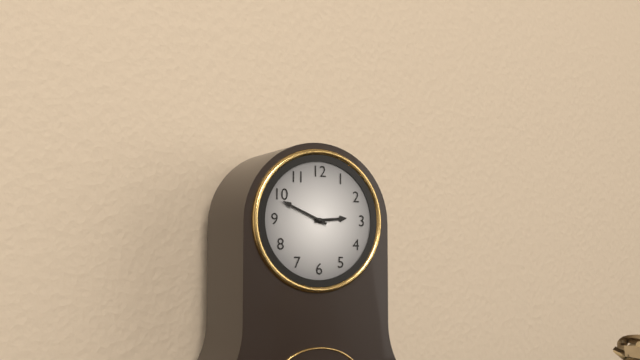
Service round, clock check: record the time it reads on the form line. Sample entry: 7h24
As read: 2h49
